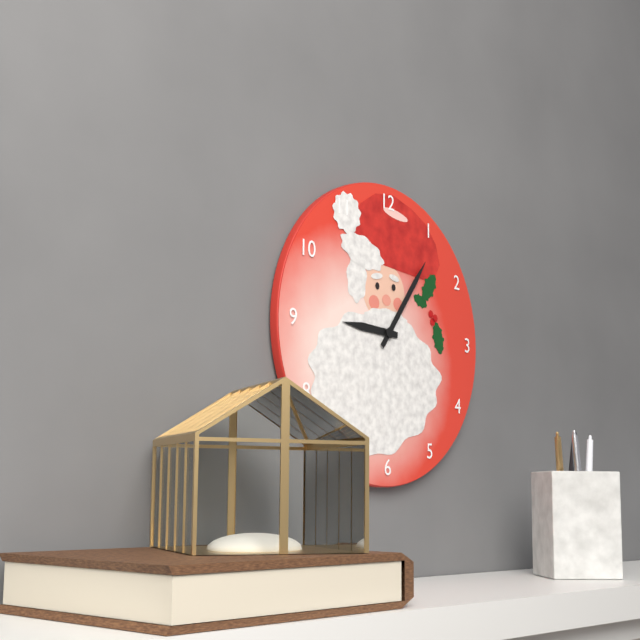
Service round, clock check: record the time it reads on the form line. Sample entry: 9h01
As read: 9h06
